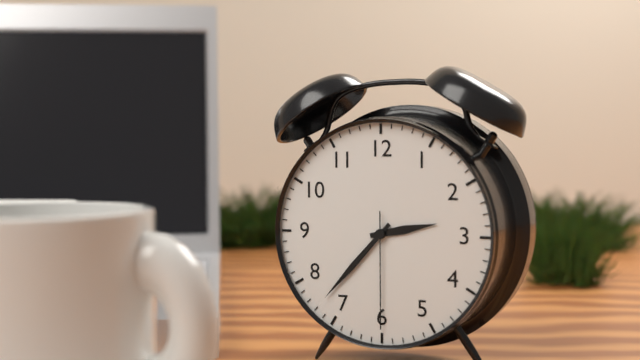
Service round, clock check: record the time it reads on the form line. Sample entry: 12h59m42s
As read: 2h37m30s
